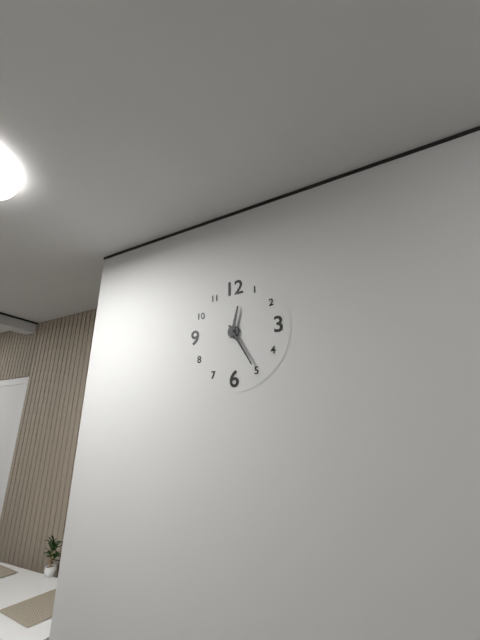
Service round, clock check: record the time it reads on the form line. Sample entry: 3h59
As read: 12h25
